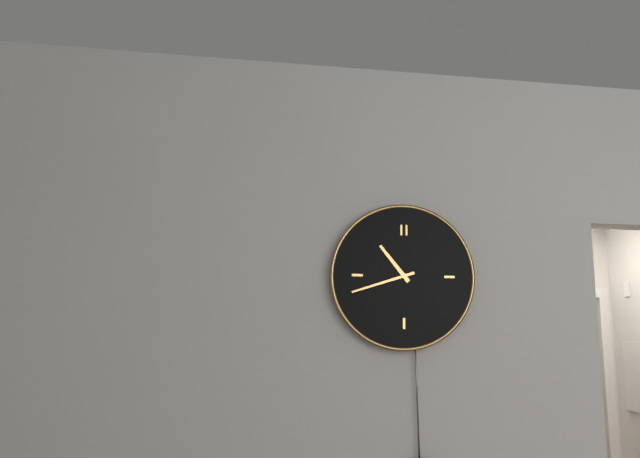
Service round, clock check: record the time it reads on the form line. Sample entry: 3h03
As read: 10h42
